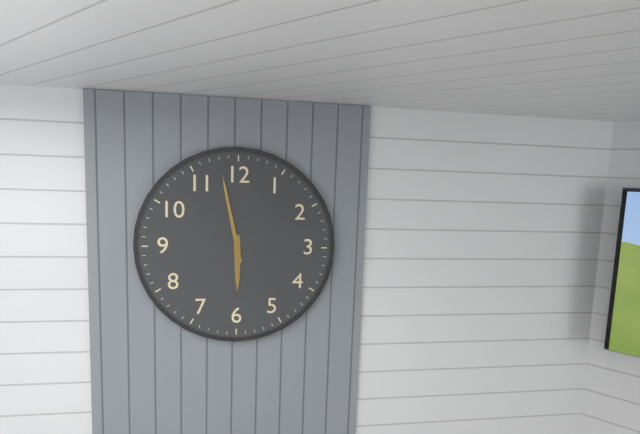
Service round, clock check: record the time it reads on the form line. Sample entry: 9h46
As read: 5h58
